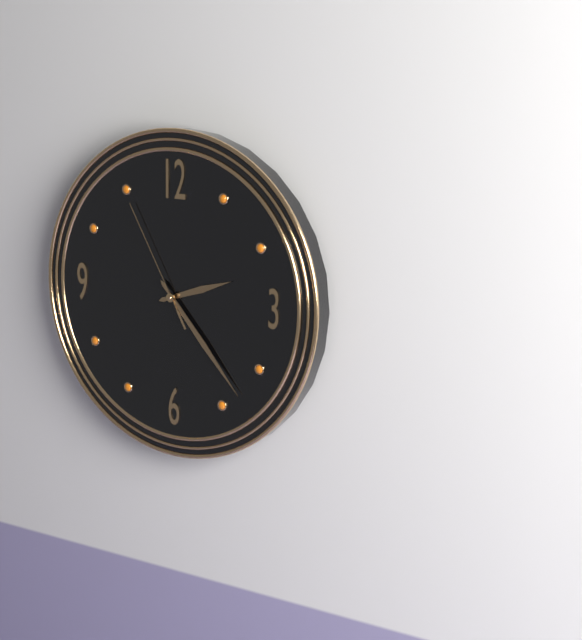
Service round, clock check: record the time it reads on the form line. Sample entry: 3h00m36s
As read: 2h23m55s
